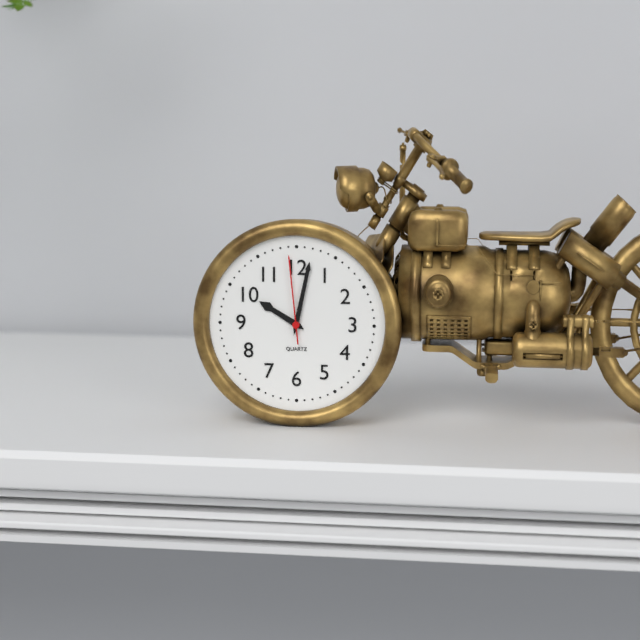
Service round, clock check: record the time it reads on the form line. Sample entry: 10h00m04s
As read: 10h02m59s
